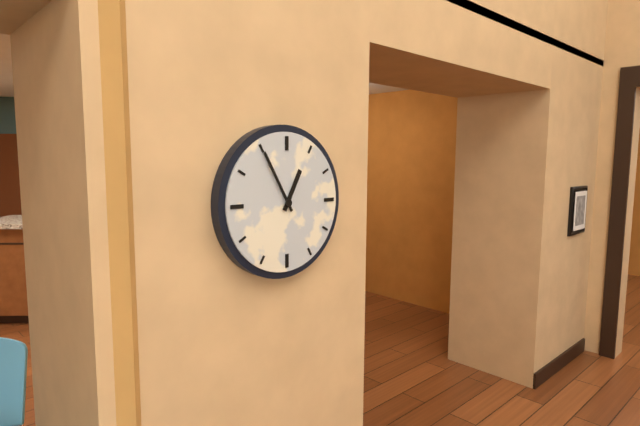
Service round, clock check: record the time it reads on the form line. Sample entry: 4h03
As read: 12h55
